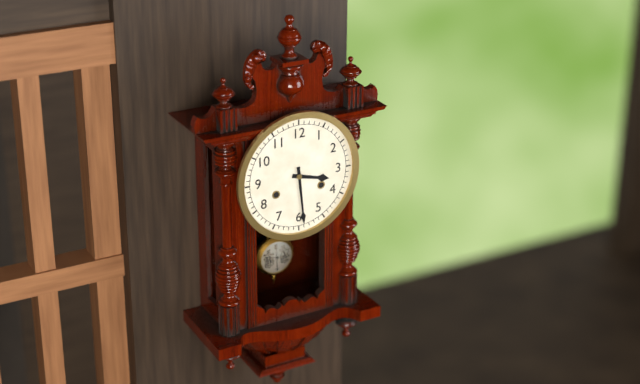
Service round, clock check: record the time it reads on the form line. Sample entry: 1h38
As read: 3h29
